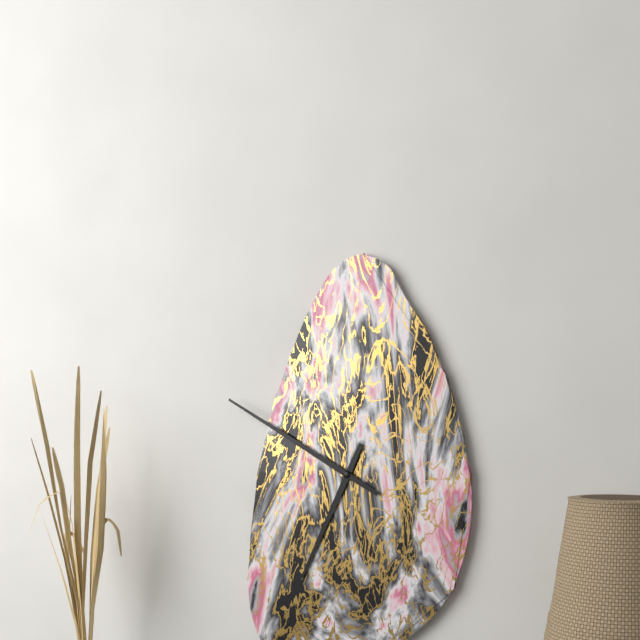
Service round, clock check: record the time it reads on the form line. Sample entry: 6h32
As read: 6h50
